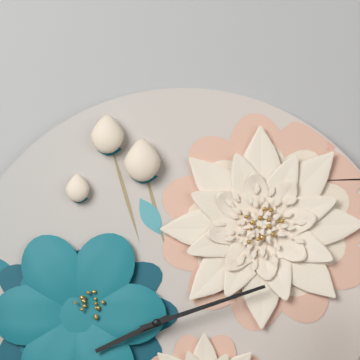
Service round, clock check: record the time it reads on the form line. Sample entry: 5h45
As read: 8h12
